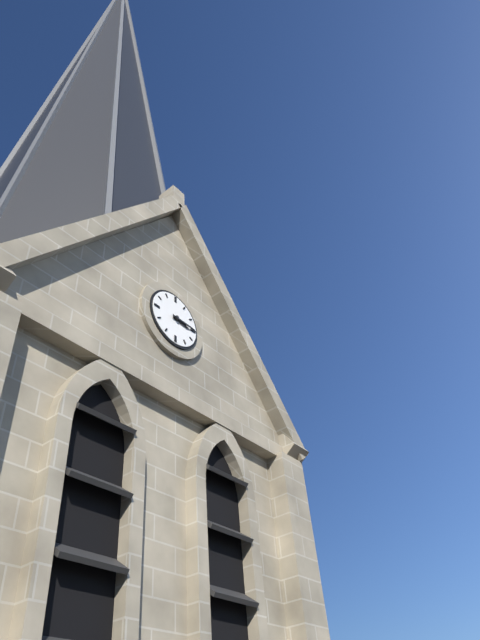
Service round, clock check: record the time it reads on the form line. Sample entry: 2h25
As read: 3h15
